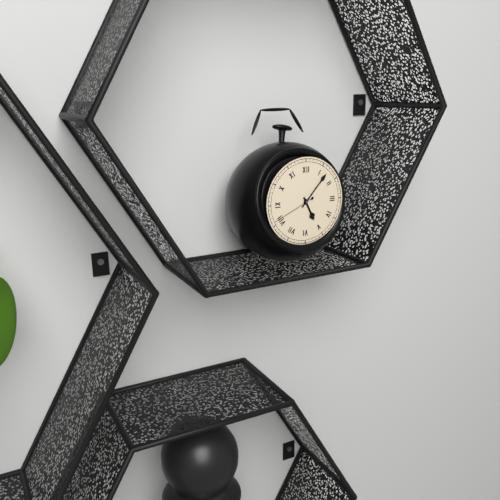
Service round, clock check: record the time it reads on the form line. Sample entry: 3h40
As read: 5h07
